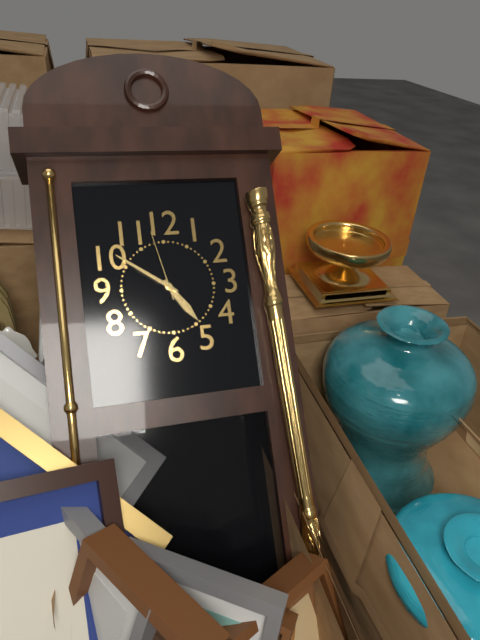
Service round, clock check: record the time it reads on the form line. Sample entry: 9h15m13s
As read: 4h51m58s
